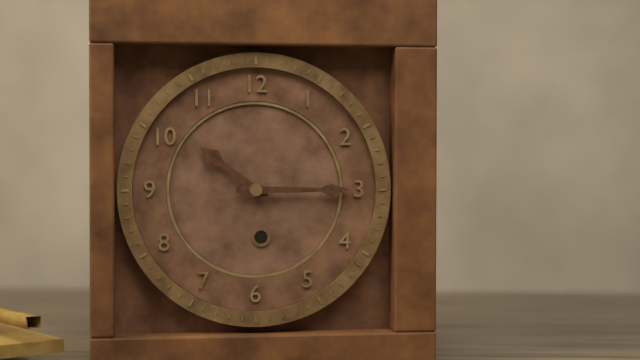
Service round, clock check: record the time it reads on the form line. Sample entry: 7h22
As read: 10h15
